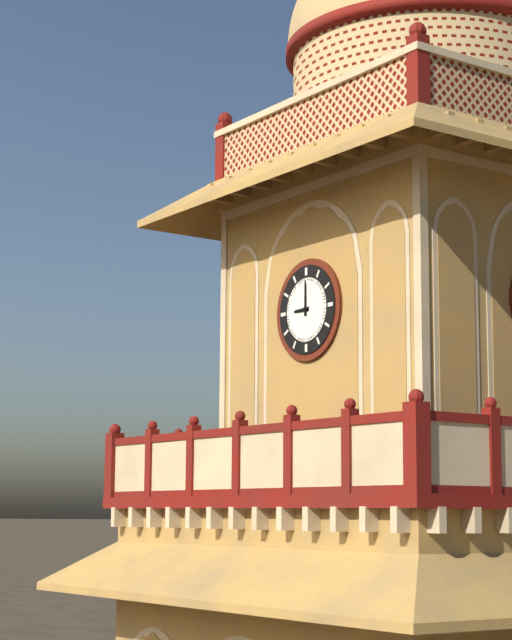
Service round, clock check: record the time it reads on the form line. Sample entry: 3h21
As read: 9h00
